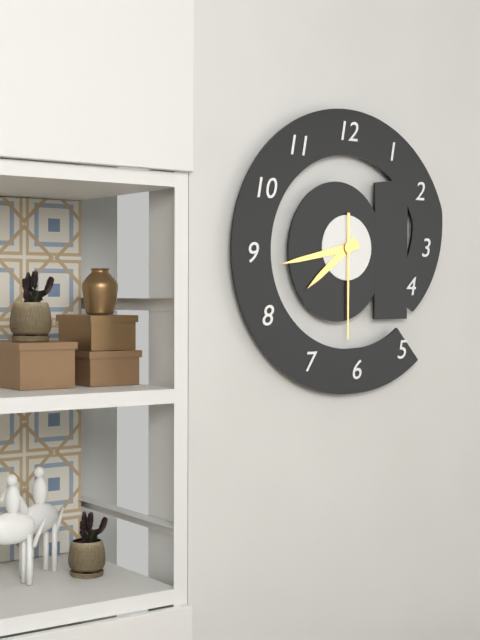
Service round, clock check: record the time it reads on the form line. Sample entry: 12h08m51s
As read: 7h43m30s
